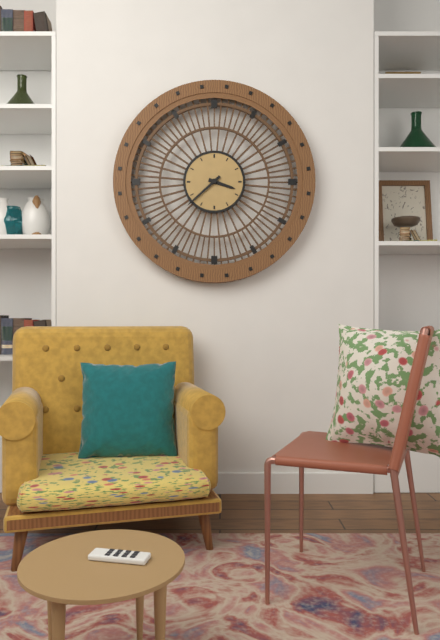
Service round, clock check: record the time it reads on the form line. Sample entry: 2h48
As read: 3h38
